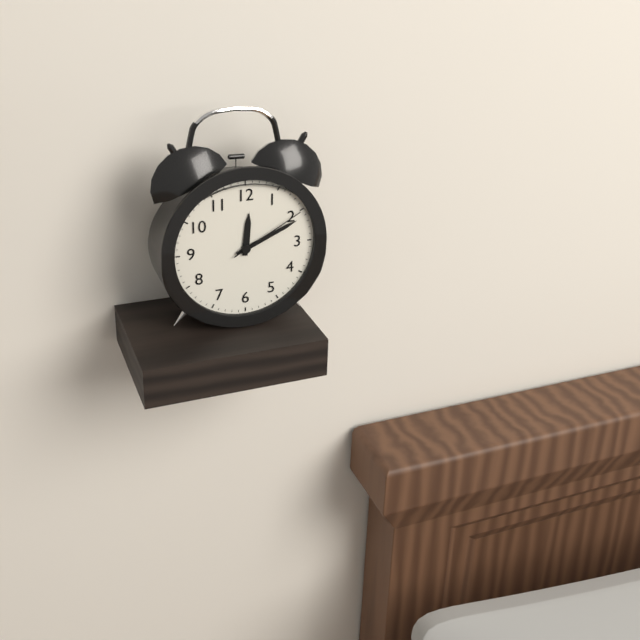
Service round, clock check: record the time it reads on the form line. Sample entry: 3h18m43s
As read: 12h11m10s
